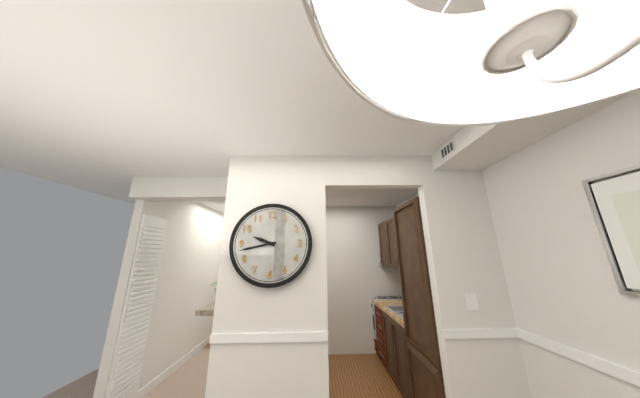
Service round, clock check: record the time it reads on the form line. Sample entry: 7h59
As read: 9h43
